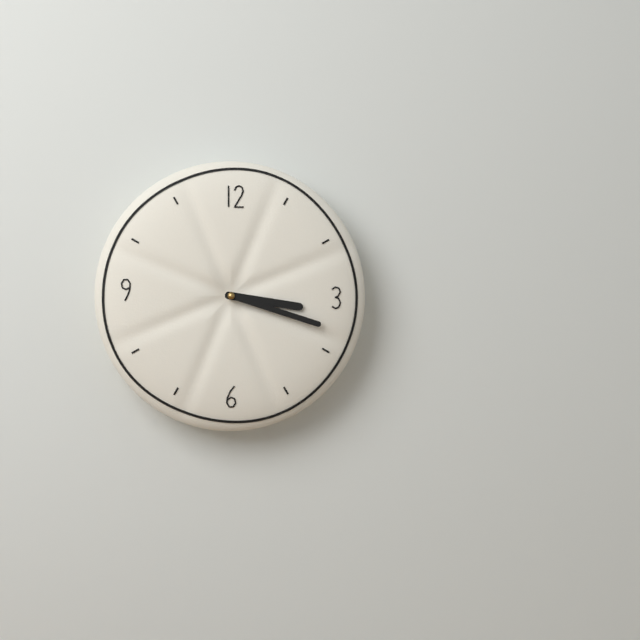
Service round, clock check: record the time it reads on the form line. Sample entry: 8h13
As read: 3h18
